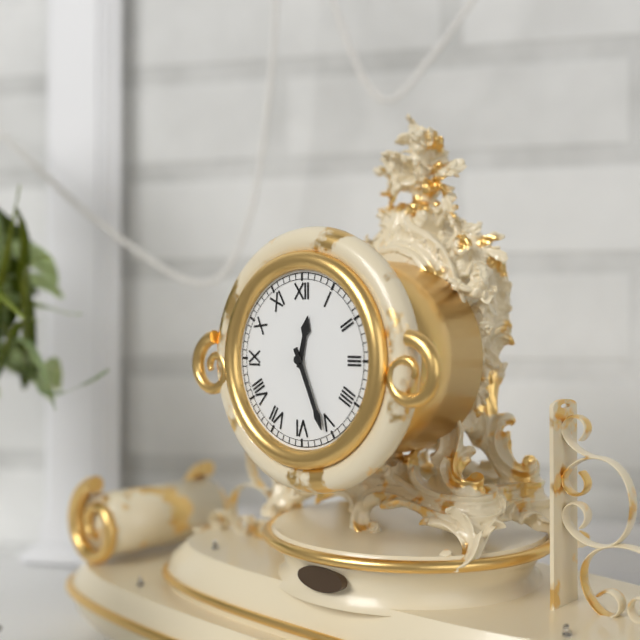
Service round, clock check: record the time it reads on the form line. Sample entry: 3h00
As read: 12h26
